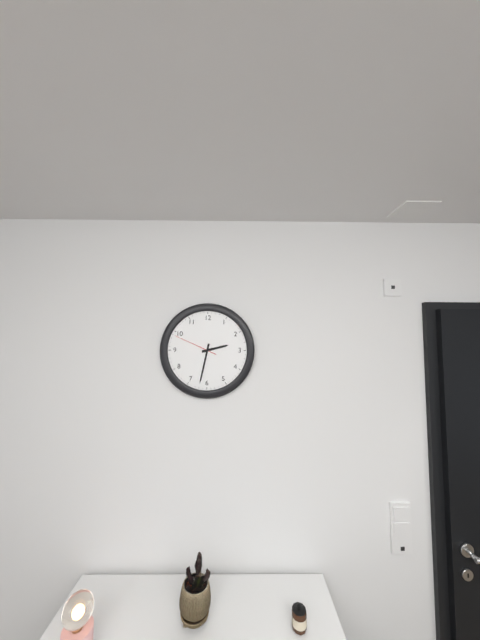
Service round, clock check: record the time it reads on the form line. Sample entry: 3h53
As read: 2h32
